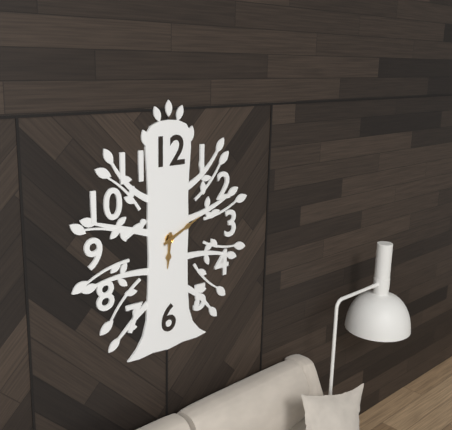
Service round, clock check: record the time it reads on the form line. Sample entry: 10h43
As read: 6h11
